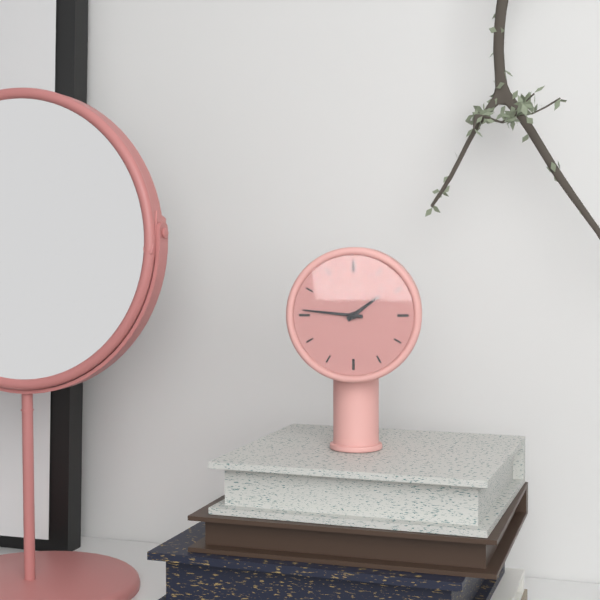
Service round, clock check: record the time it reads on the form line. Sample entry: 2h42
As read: 1h46
